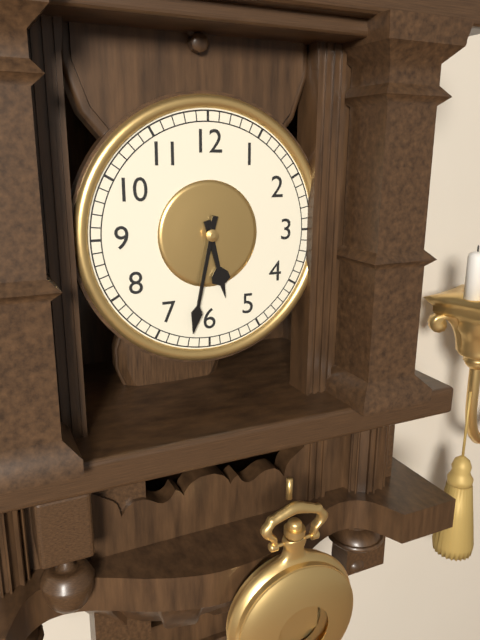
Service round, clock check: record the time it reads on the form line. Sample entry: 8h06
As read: 5h32
